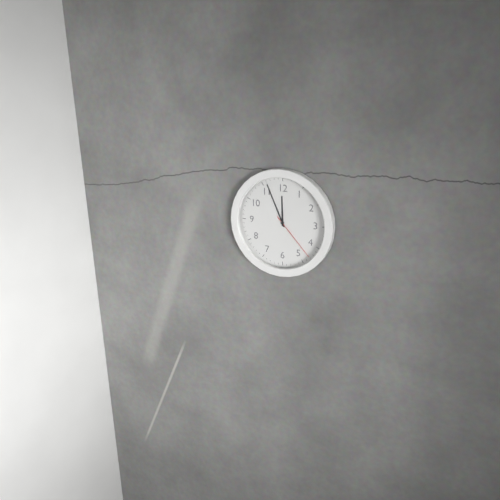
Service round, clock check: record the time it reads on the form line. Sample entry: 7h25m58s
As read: 11h56m23s
